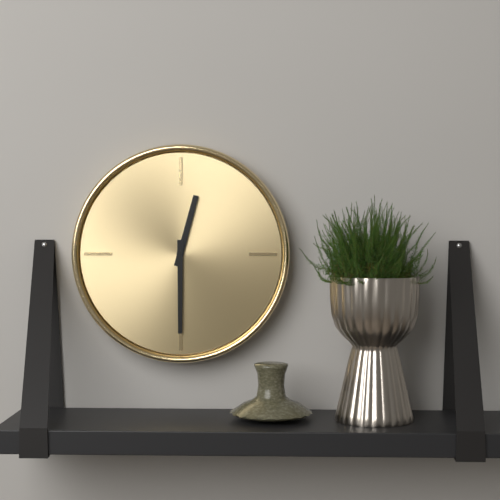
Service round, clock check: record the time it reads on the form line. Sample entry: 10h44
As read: 12h30
